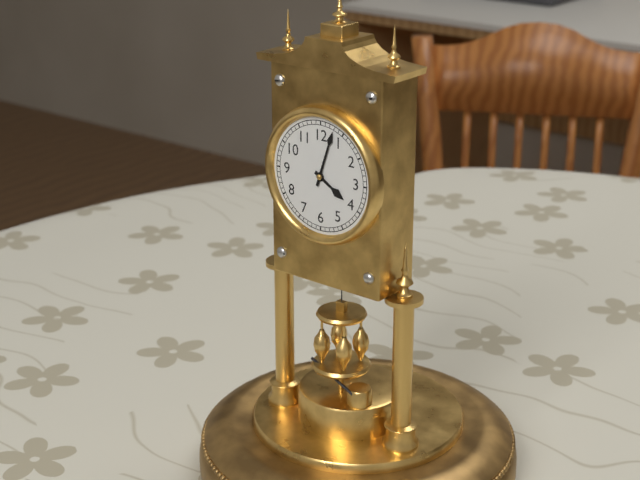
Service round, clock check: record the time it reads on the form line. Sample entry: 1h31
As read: 4h03
